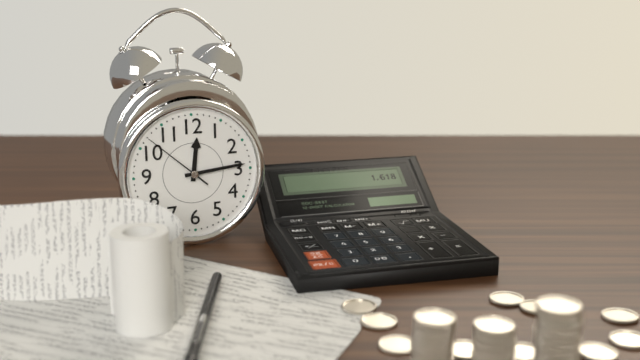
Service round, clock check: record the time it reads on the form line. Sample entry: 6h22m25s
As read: 12h14m52s
